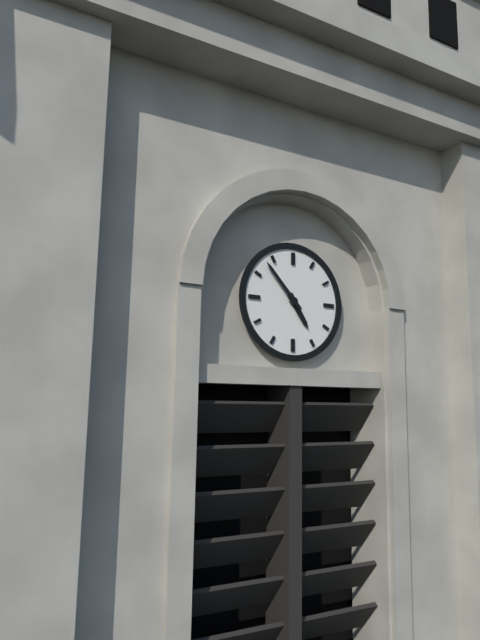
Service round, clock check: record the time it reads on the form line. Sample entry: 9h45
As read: 4h53
